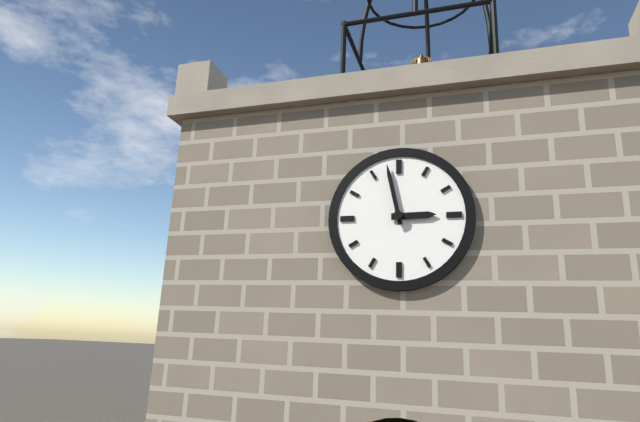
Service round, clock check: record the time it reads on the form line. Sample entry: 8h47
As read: 2h58
